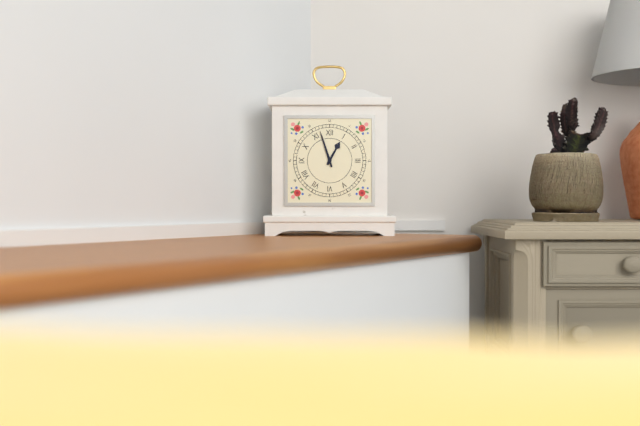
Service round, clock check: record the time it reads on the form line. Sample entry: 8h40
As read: 12h57
